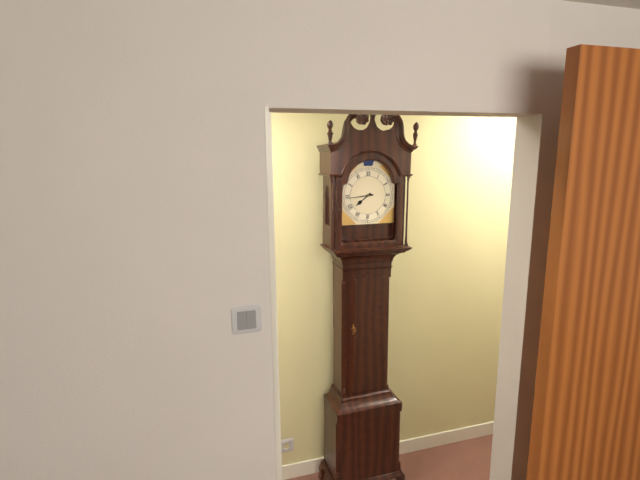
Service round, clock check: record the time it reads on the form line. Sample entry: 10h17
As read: 7h44
